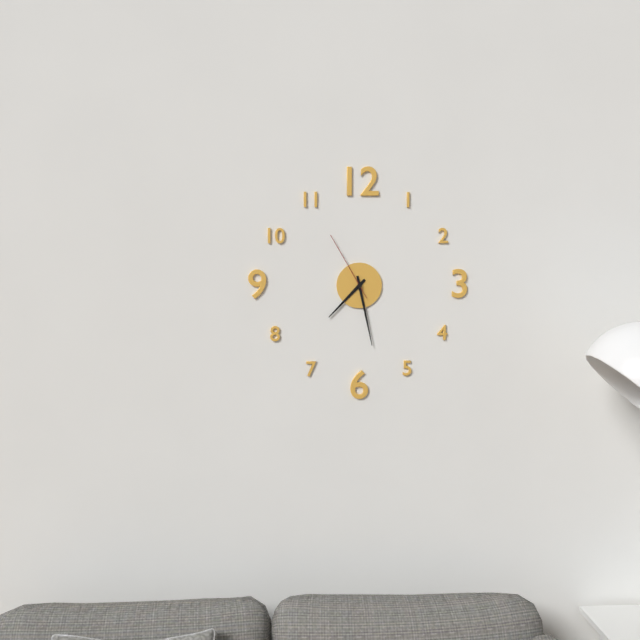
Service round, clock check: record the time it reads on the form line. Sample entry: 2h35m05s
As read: 7h28m55s
